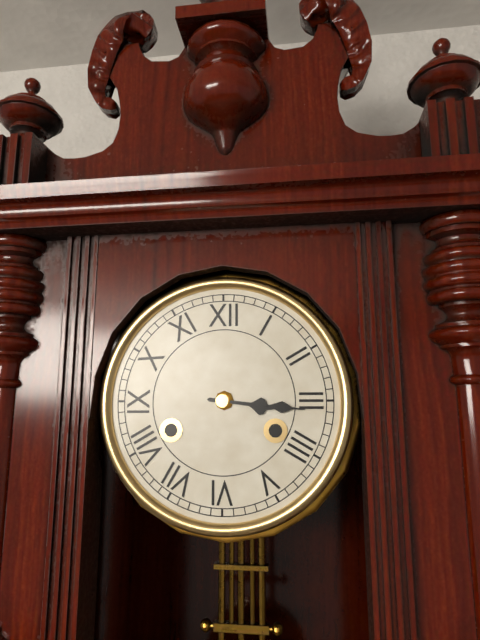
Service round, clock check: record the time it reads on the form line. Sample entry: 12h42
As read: 3h16
